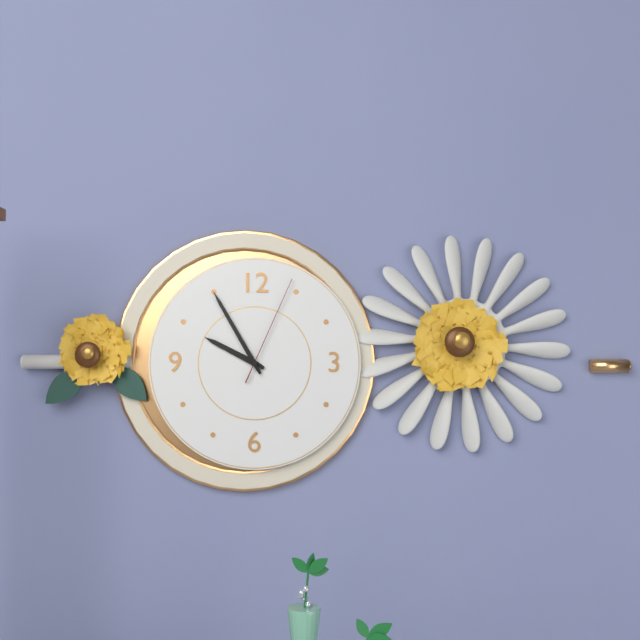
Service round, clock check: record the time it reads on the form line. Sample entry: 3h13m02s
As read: 9h55m04s
